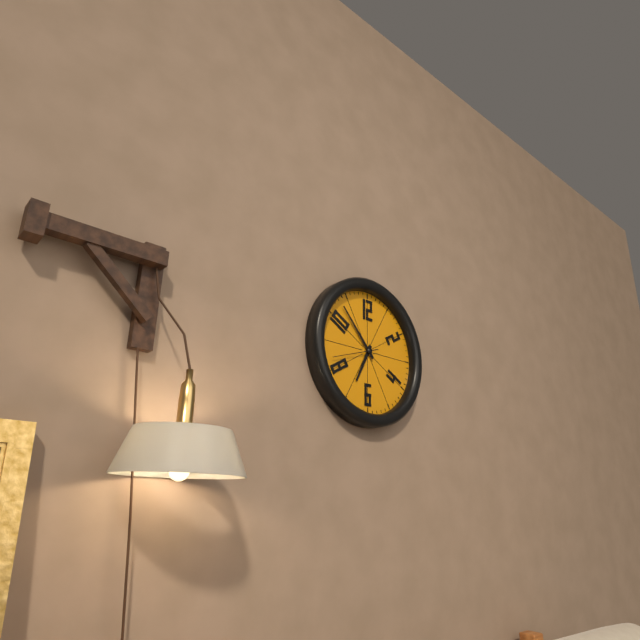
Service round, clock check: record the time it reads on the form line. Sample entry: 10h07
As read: 6h53
